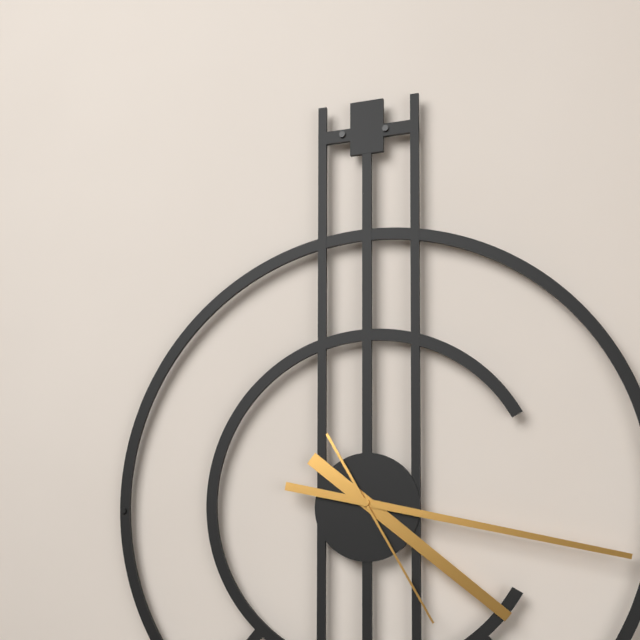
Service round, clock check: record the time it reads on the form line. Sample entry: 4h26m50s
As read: 4h17m25s
